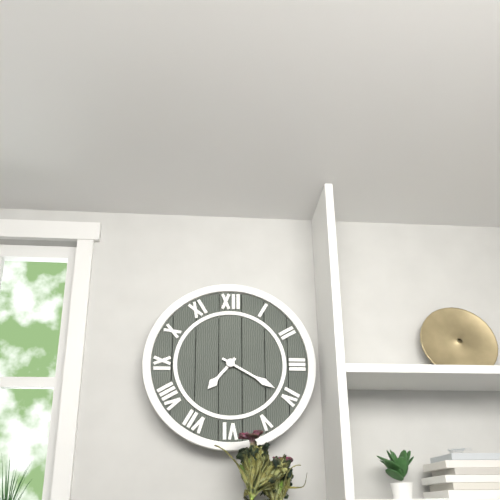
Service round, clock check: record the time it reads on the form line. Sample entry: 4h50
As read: 7h20
